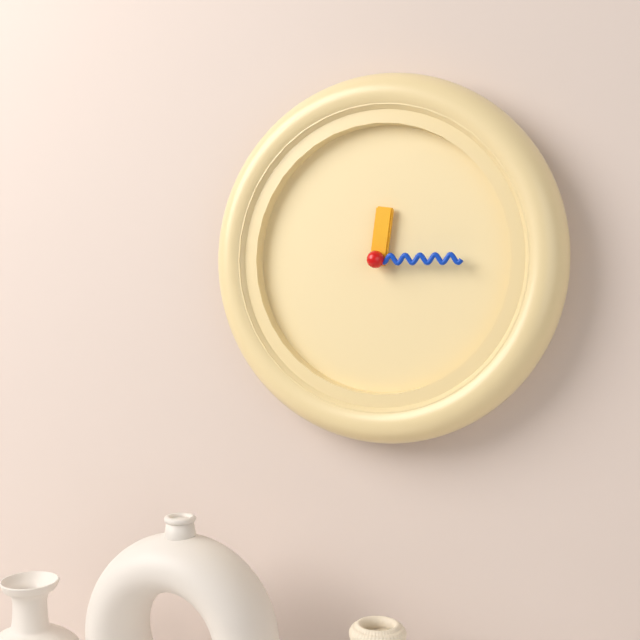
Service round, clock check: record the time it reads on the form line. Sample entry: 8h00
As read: 12h15
